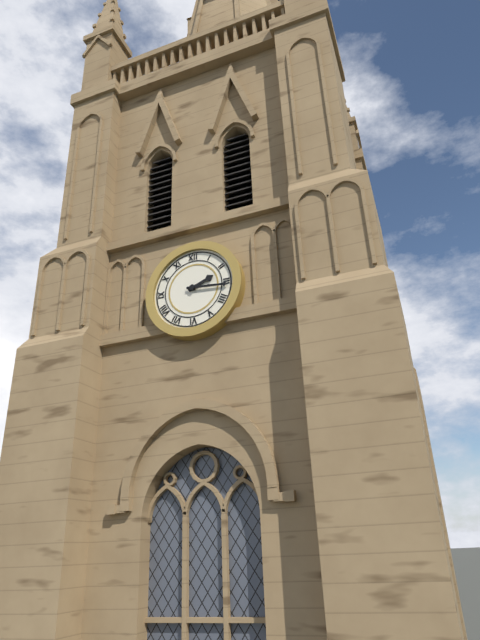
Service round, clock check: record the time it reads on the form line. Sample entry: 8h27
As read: 2h16
